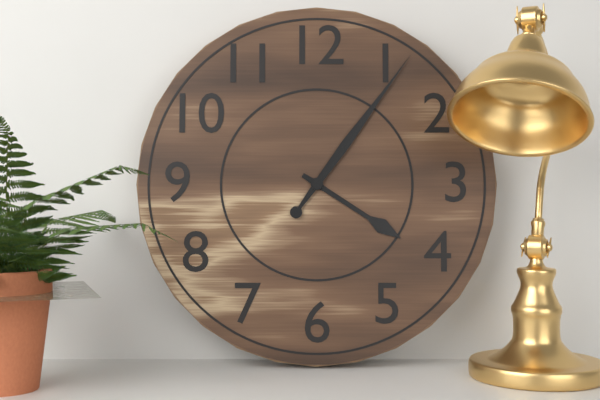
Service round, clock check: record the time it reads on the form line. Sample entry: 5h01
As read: 4h06
